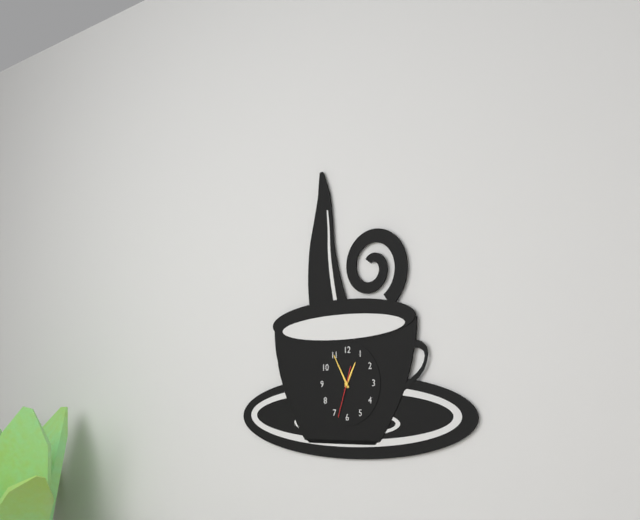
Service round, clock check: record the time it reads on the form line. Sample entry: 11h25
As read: 12h55
